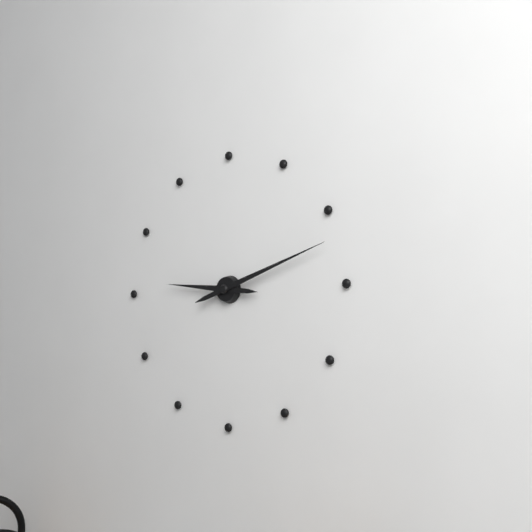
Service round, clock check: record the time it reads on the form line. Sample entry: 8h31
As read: 9h12
